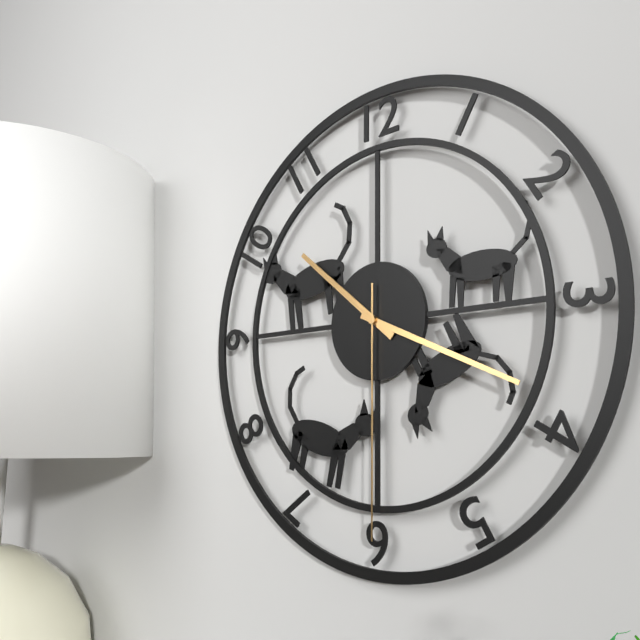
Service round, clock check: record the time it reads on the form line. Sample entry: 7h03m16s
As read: 10h19m30s
